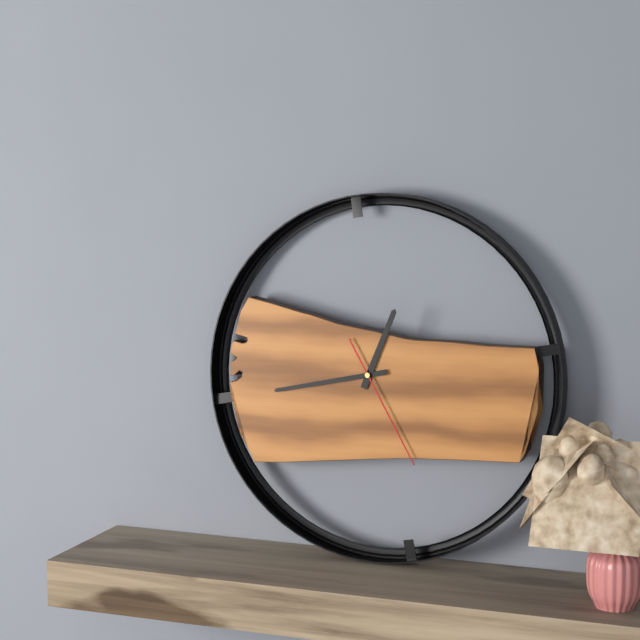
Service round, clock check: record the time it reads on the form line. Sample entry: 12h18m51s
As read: 12h43m25s
